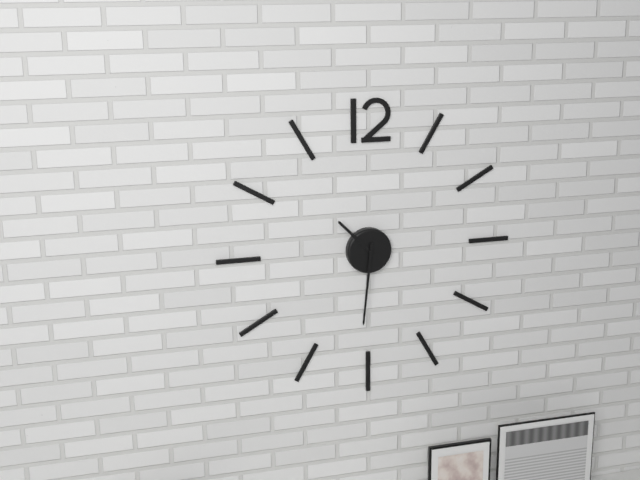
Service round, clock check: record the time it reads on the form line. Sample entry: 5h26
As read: 10h31
